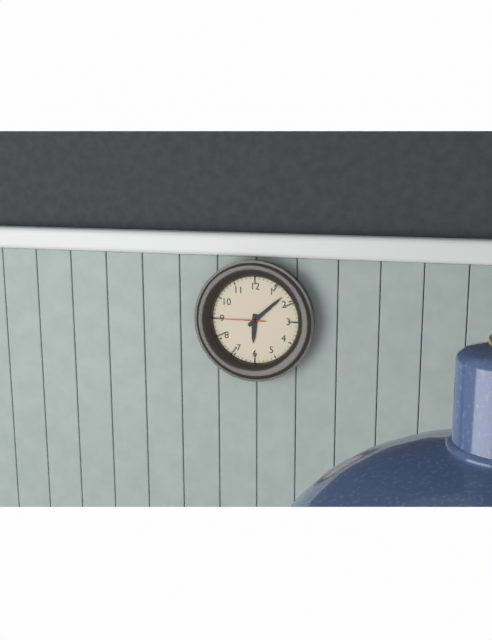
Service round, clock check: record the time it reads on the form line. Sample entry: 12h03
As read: 6h08
